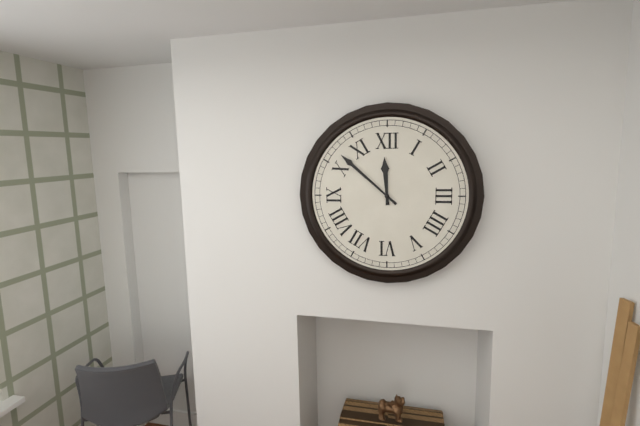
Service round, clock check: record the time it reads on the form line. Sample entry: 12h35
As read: 11h52
